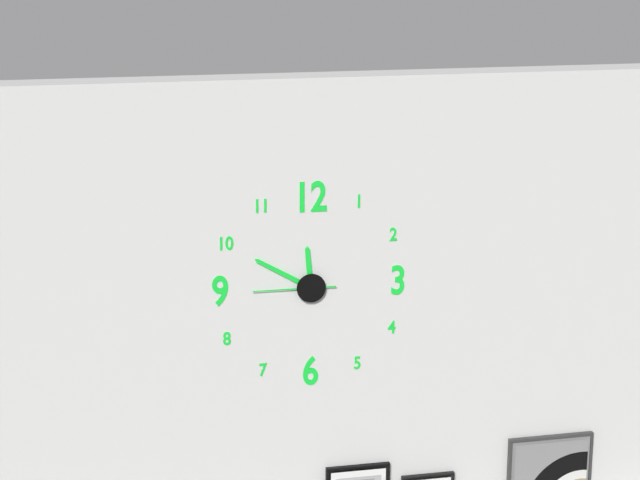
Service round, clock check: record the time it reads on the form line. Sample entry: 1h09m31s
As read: 11h50m45s
